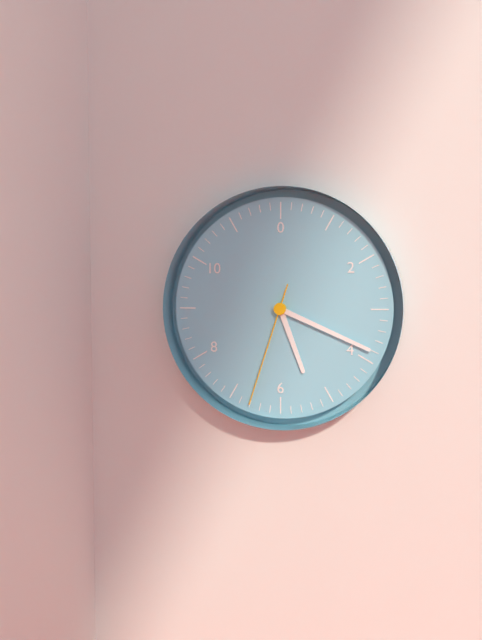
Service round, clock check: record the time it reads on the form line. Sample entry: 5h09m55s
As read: 5h19m33s
